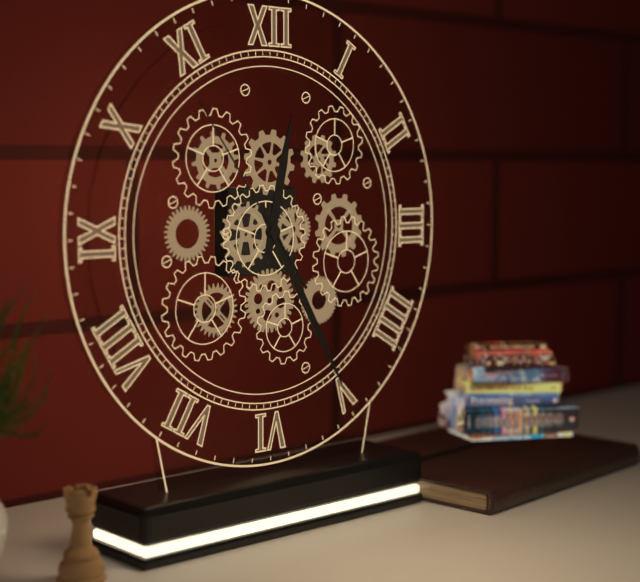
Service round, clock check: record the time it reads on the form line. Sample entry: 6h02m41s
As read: 12h25m54s
